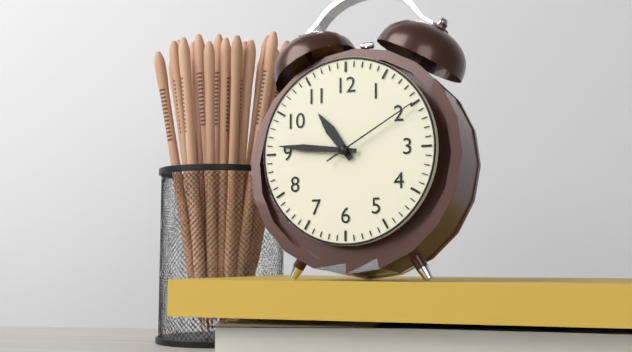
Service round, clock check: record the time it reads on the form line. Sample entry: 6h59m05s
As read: 10h46m10s
